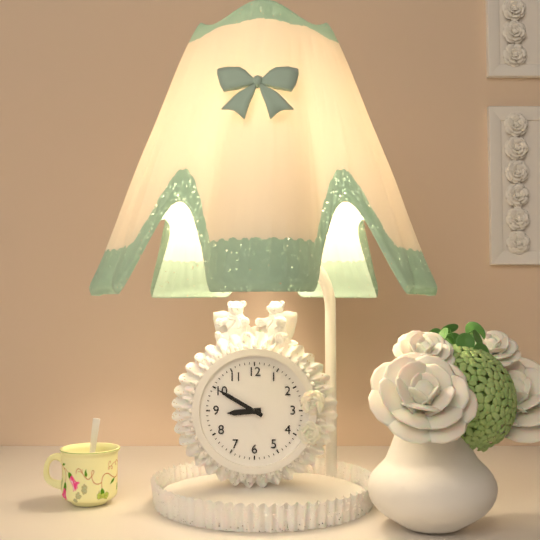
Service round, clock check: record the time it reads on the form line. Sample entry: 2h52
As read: 8h50
